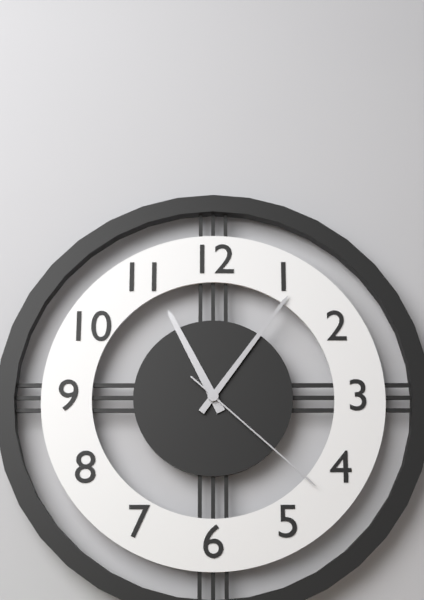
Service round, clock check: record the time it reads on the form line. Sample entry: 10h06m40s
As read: 11h06m22s
